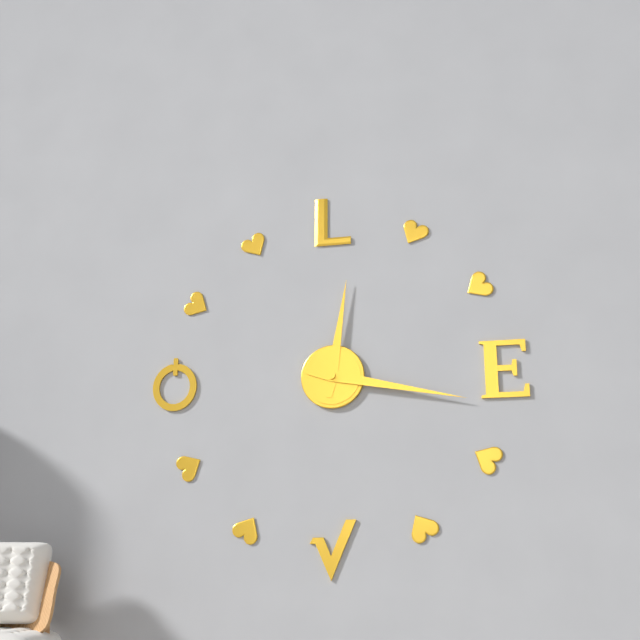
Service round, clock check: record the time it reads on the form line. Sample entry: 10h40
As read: 12h17
